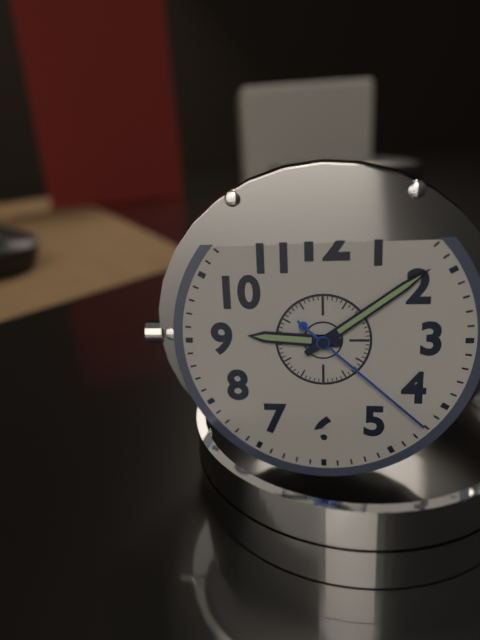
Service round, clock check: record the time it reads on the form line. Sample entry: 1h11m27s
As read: 9h09m22s
